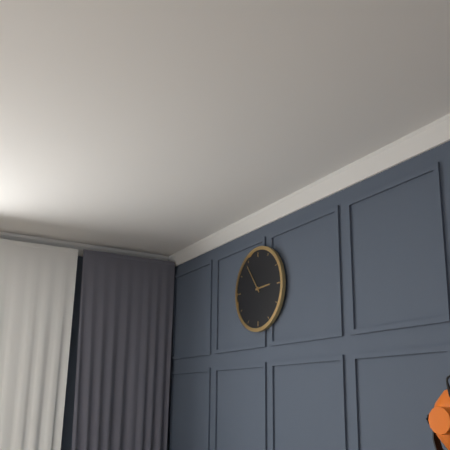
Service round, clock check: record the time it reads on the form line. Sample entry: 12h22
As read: 2h54
